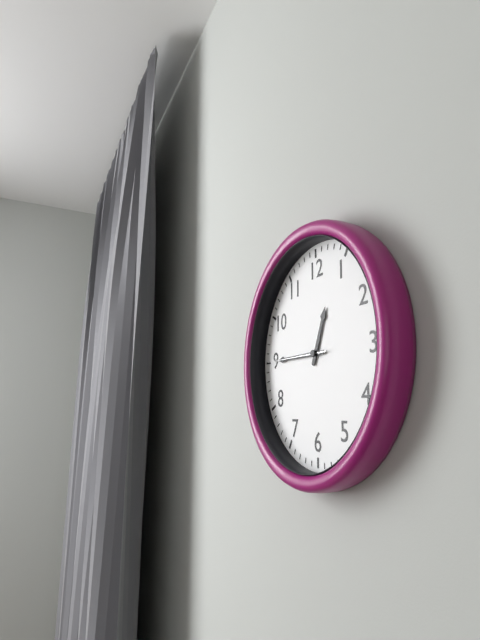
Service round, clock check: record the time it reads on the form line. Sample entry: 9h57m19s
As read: 12h45m45s
